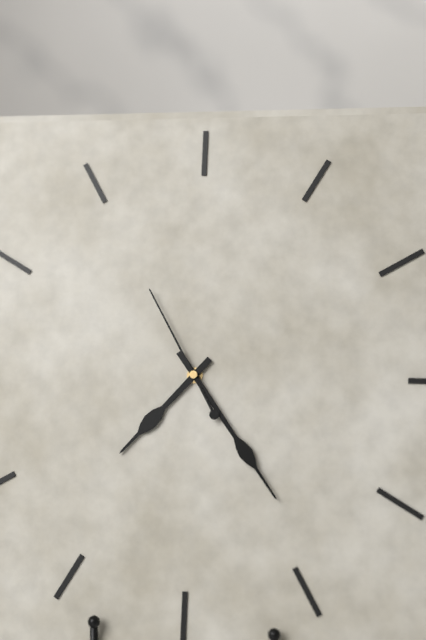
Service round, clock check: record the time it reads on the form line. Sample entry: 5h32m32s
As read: 7h24m55s
